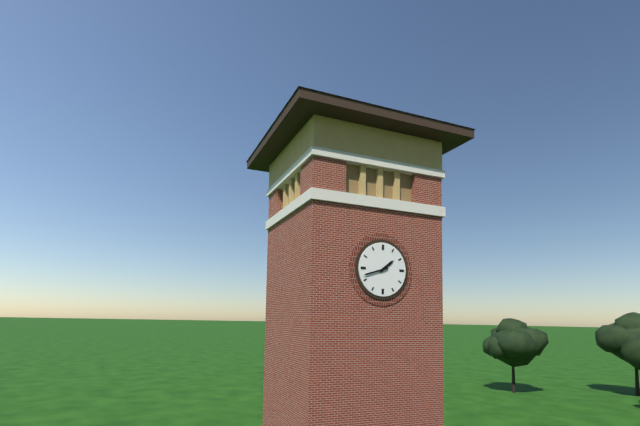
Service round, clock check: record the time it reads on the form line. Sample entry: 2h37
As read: 1h42
